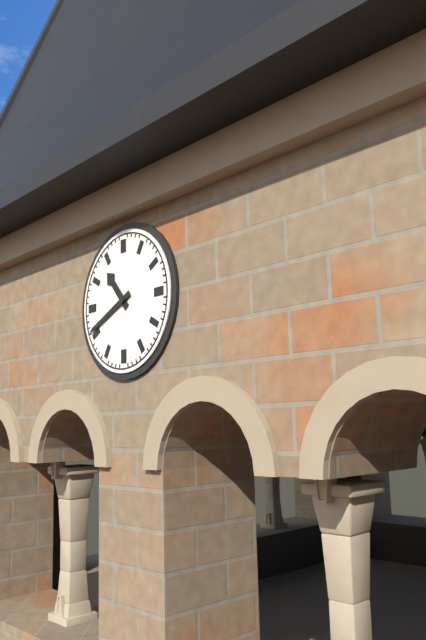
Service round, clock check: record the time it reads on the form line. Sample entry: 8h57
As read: 10h41
